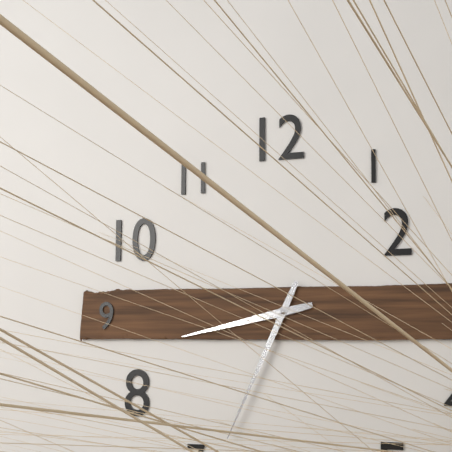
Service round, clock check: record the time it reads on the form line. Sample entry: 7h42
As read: 8h34
